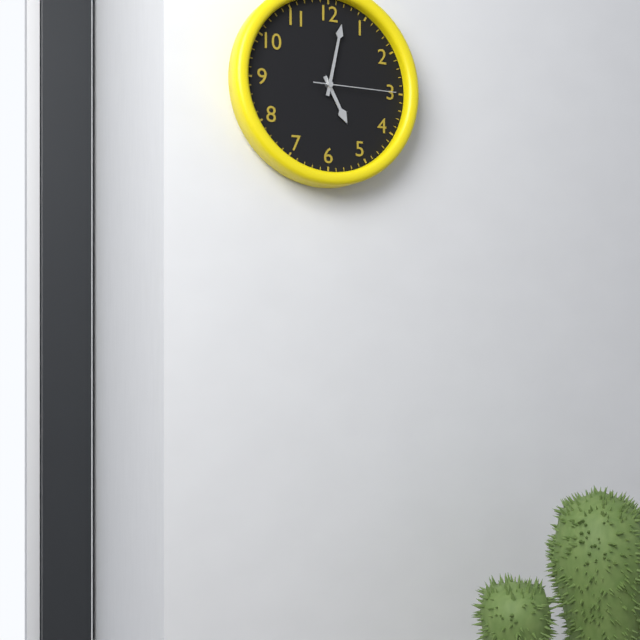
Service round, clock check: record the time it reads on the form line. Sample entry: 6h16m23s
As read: 5h02m15s
